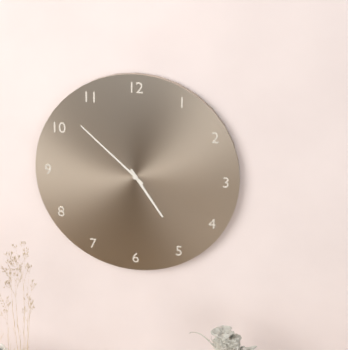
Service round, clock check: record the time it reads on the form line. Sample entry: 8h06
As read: 4h52
